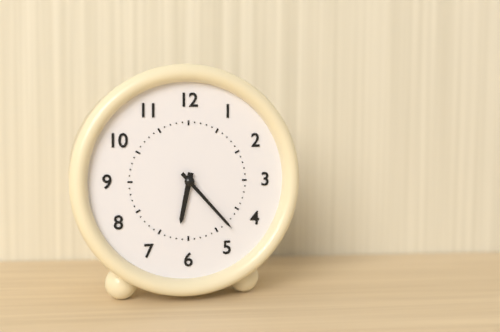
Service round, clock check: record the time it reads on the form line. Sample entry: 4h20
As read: 6h23
